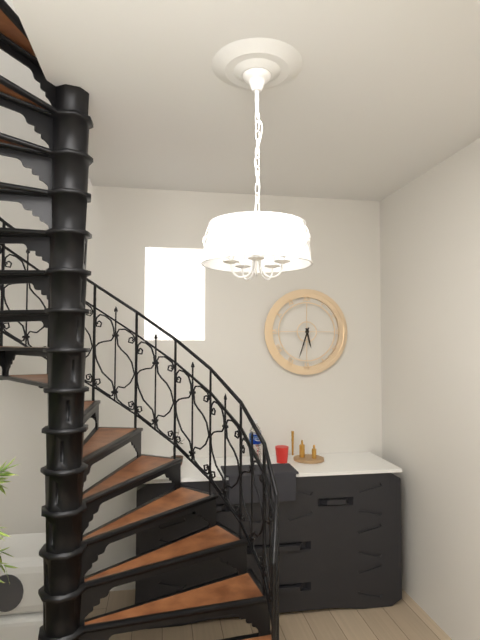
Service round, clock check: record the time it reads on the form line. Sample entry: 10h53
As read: 5h33
